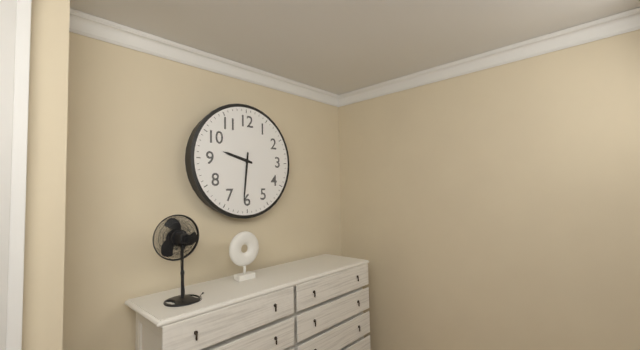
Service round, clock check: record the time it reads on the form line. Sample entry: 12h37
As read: 9h31
